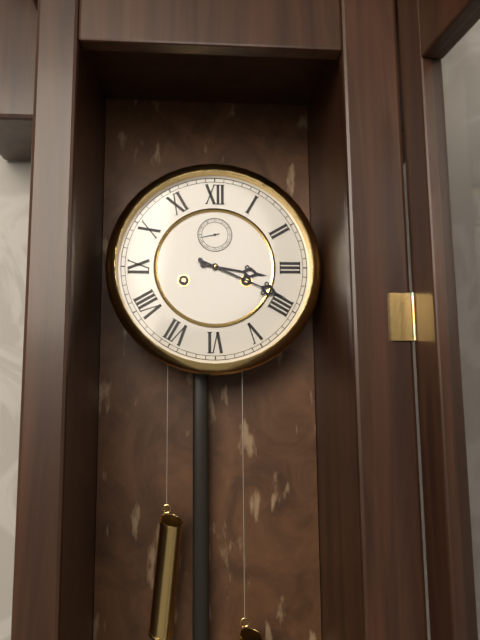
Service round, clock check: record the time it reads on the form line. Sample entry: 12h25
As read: 3h19
